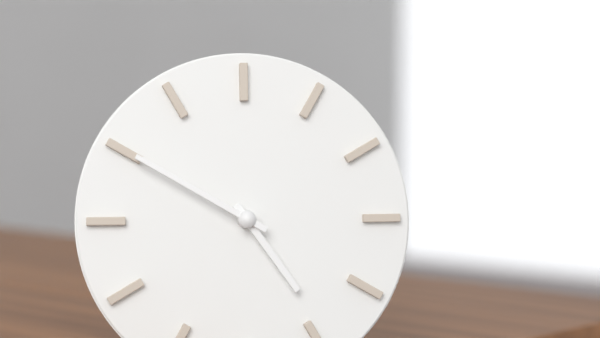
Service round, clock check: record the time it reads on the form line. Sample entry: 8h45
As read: 4h50
